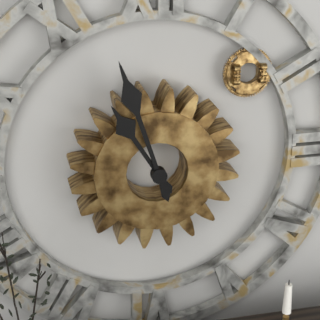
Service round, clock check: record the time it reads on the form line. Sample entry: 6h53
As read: 10h57
